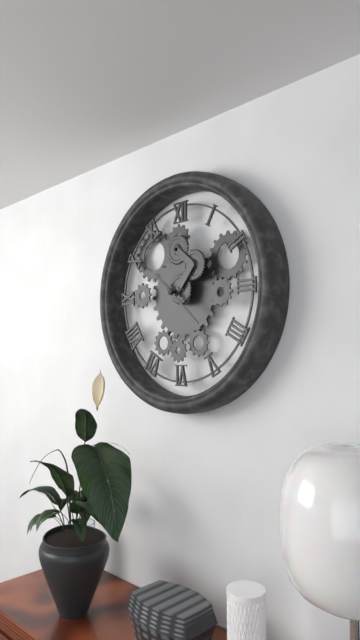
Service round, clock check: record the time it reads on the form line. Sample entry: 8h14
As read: 10h22
